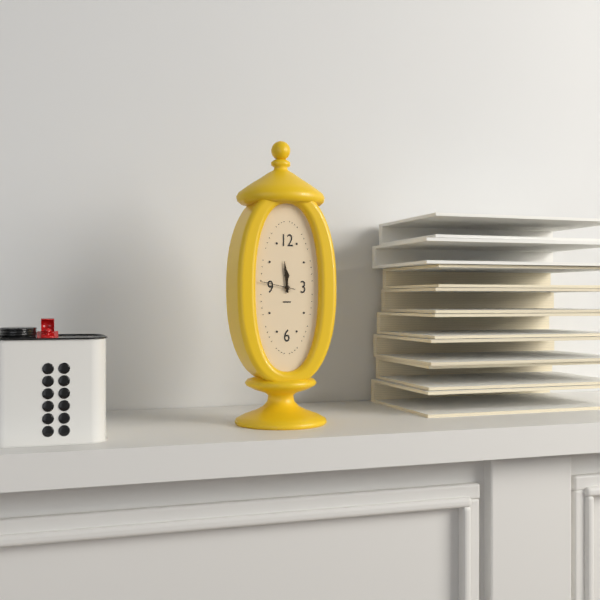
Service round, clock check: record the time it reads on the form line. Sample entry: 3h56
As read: 11h59
